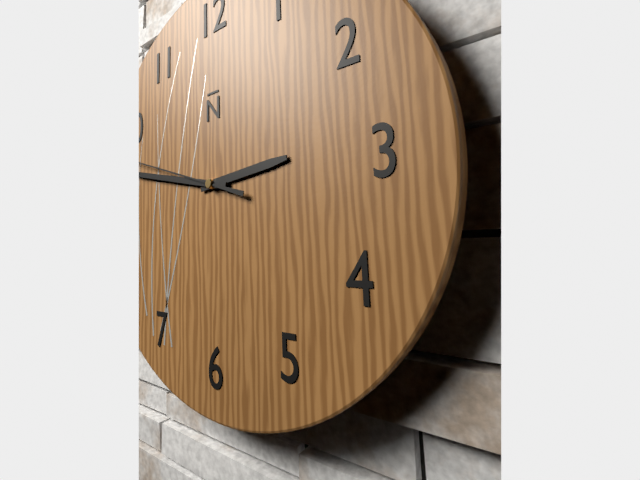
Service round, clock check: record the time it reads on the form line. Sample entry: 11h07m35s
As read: 2h47m48s
